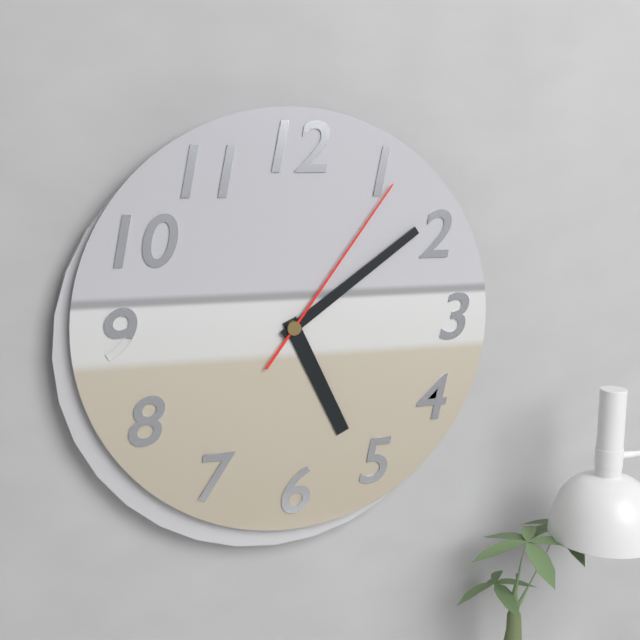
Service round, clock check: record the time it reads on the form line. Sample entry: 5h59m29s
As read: 5h09m06s
